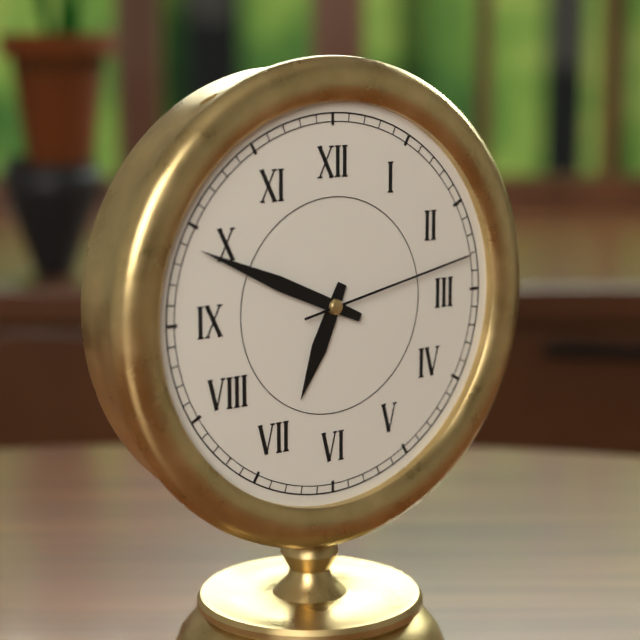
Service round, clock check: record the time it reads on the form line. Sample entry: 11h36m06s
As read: 6h49m13s
